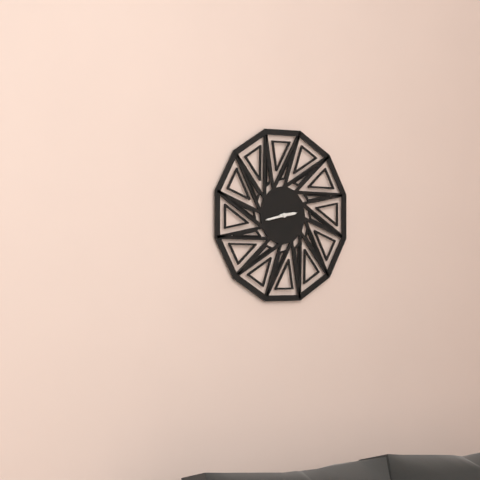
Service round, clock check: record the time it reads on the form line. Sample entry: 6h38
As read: 2h43
